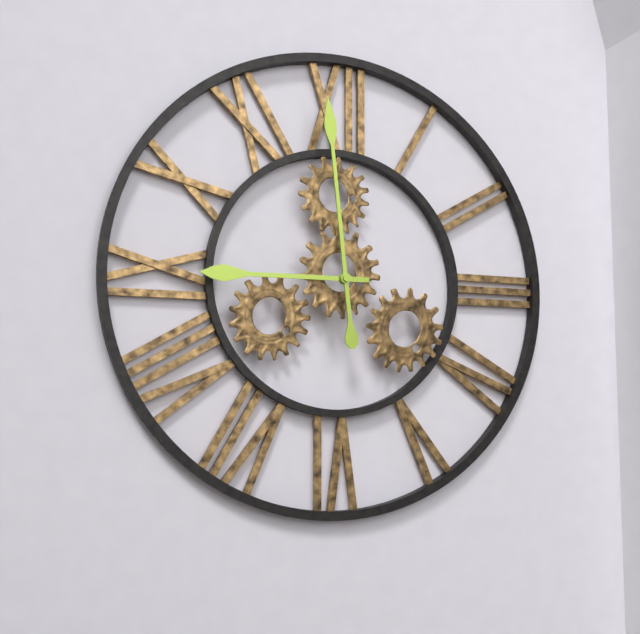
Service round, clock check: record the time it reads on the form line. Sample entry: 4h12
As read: 8h59
